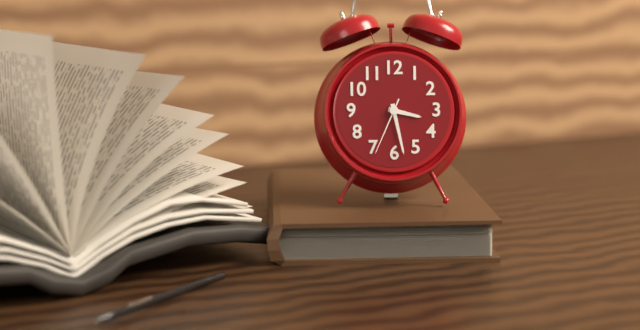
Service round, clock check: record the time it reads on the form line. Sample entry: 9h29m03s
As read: 3h28m34s
